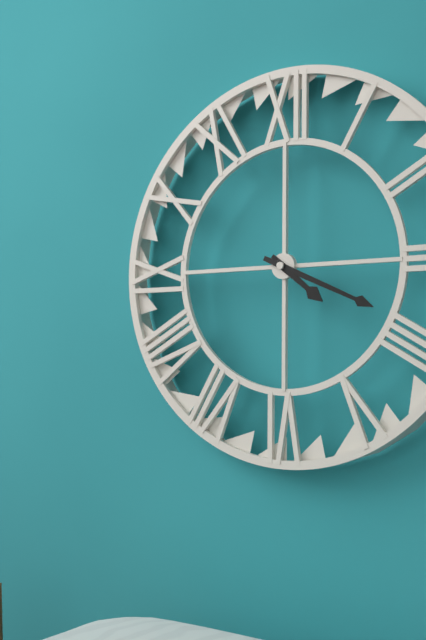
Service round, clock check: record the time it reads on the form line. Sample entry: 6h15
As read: 4h19
